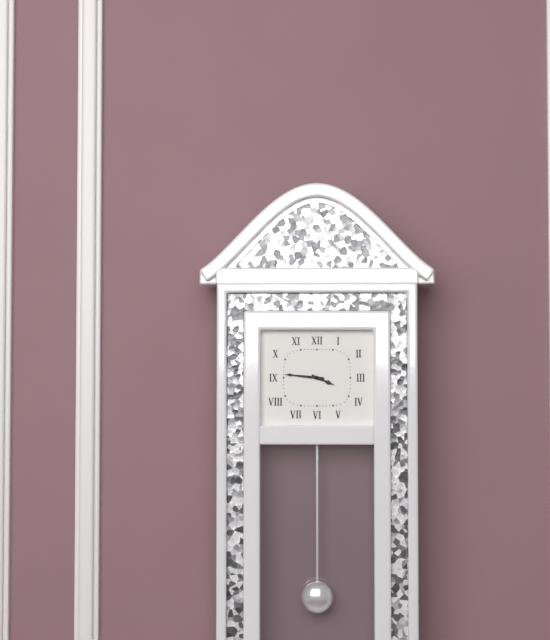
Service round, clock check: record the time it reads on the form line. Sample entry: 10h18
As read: 3h46
